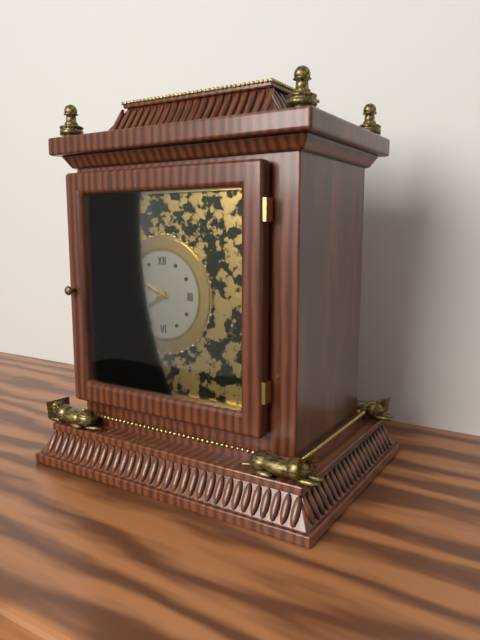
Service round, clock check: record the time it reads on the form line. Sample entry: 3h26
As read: 7h49
